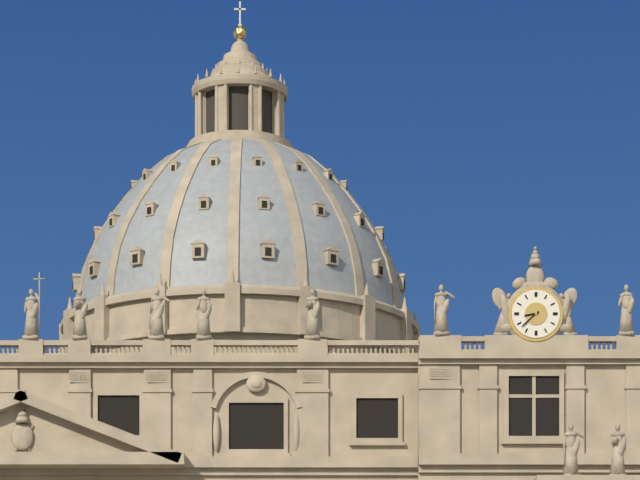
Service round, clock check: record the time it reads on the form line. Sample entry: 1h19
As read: 8h38
